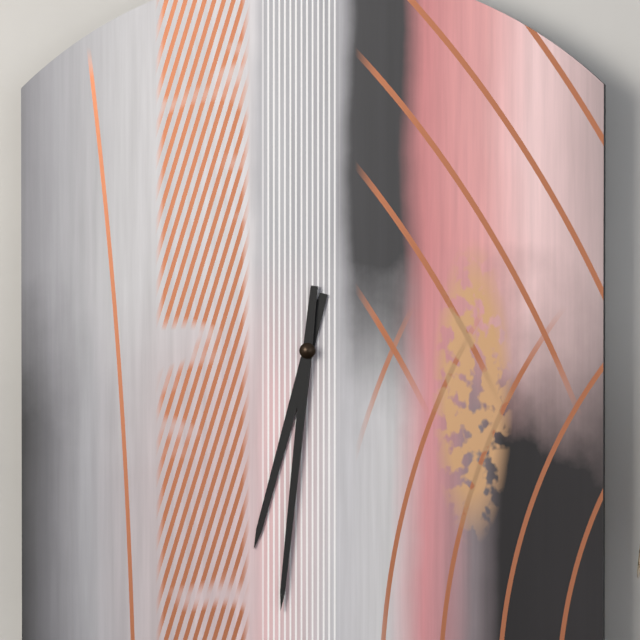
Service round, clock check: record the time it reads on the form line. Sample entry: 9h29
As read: 6h31
